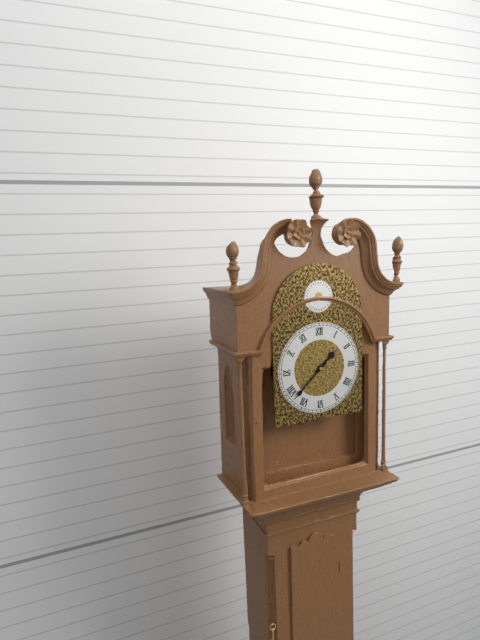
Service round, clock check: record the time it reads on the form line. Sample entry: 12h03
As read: 1h38
